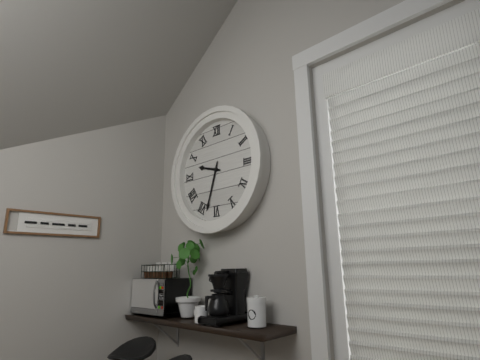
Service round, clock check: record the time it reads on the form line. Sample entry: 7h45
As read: 9h33
